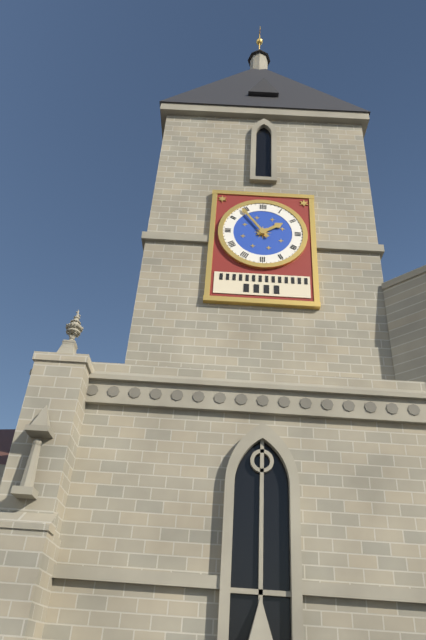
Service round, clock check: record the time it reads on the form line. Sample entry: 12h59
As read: 1h54
